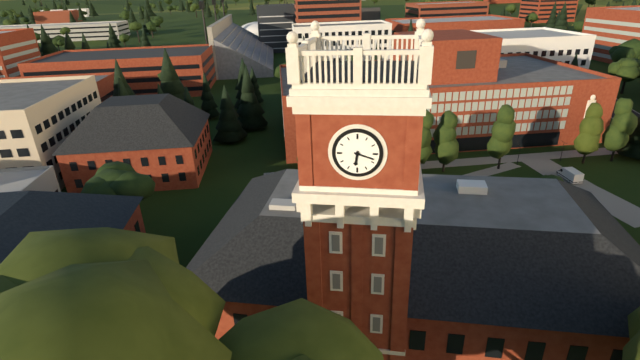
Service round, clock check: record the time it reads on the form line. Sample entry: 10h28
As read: 6h18
